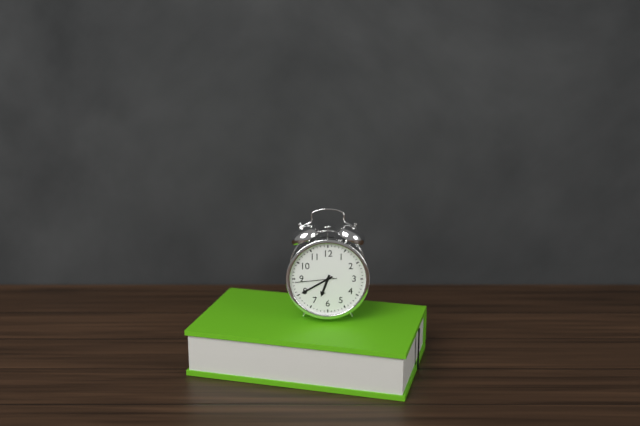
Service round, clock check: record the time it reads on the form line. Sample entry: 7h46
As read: 6h40
